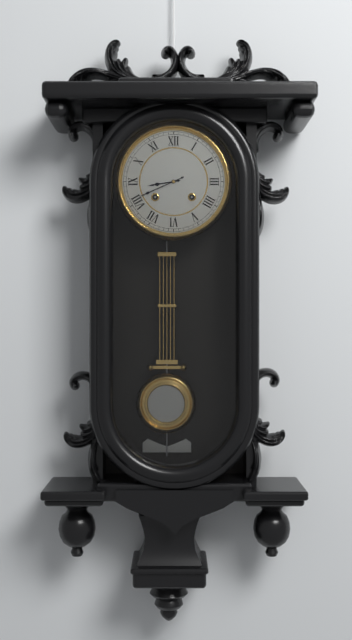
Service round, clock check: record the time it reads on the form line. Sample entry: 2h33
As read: 8h41
